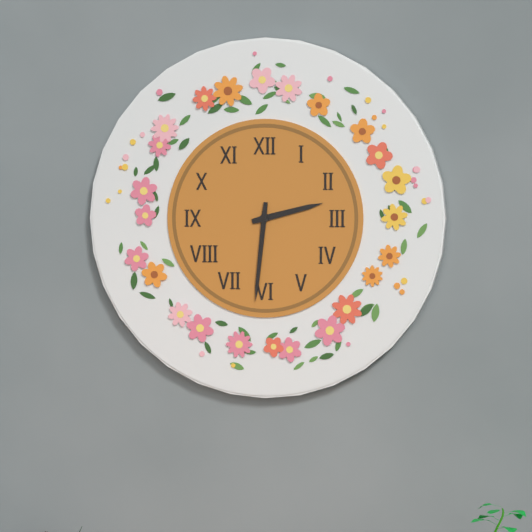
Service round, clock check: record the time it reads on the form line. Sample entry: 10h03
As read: 2h31
